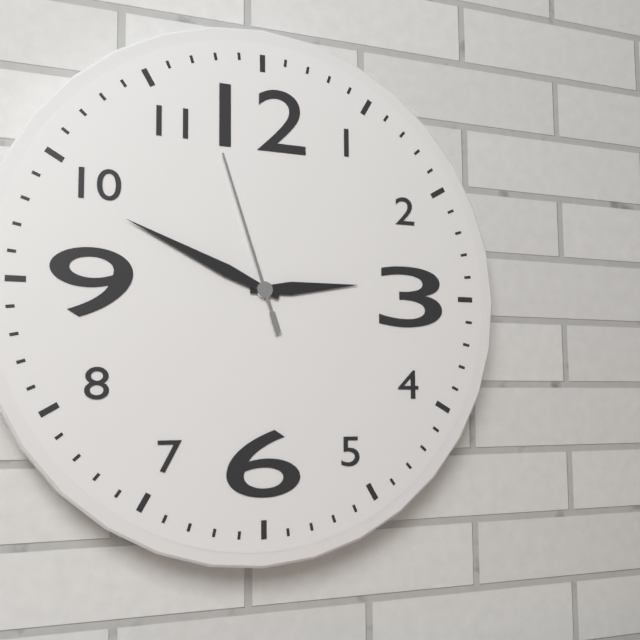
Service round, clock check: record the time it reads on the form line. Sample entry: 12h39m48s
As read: 2h49m57s
